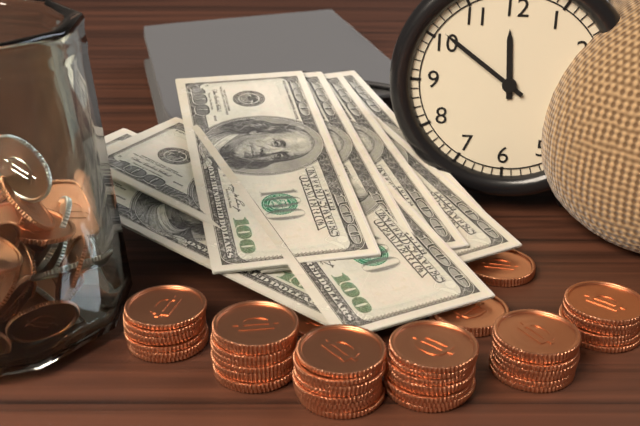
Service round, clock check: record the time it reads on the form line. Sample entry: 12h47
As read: 11h51
